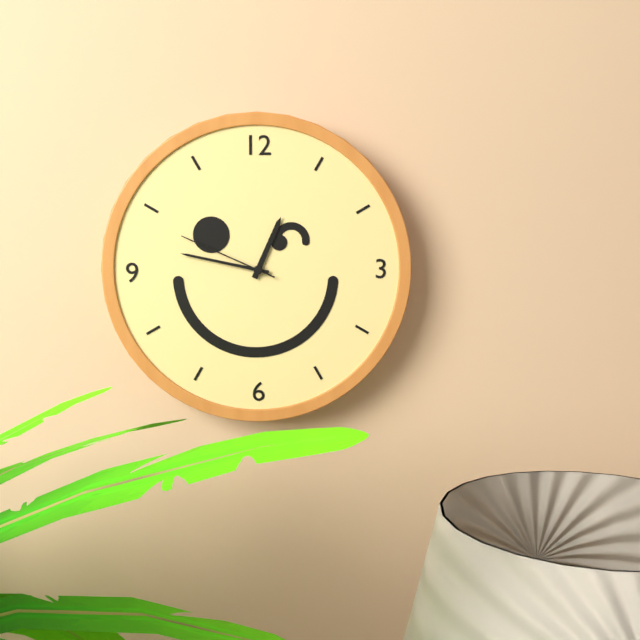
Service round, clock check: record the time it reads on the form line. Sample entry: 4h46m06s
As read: 12h47m49s
